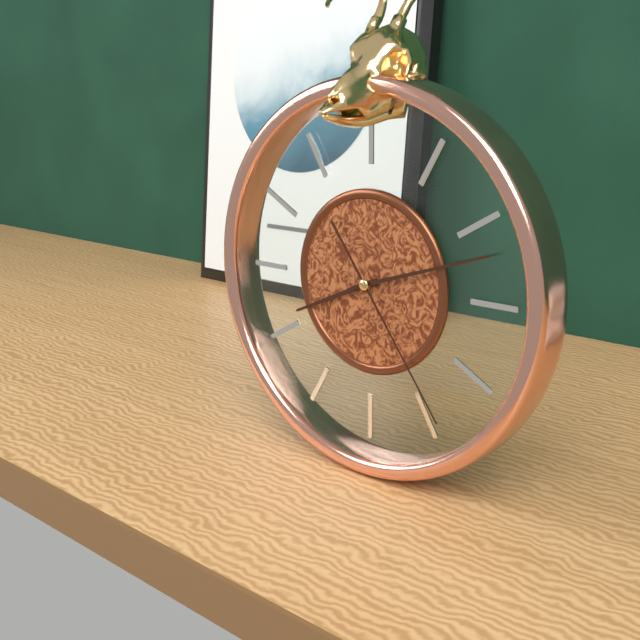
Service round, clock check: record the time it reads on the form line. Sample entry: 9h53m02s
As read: 8h12m24s
